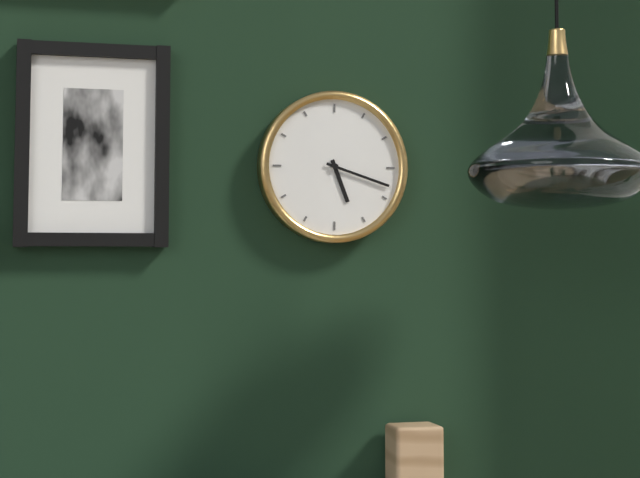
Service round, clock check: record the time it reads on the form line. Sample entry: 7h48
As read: 5h18
